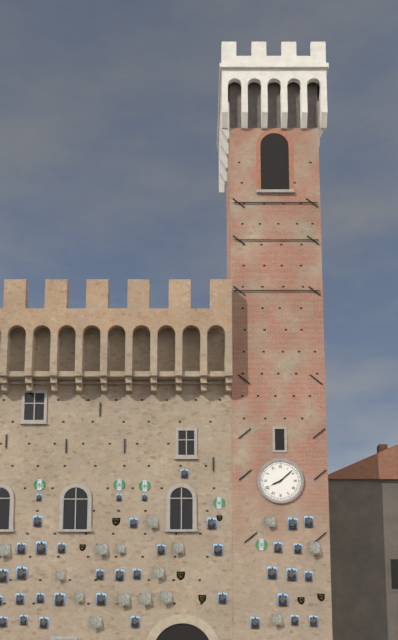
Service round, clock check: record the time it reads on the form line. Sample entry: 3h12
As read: 8h08
